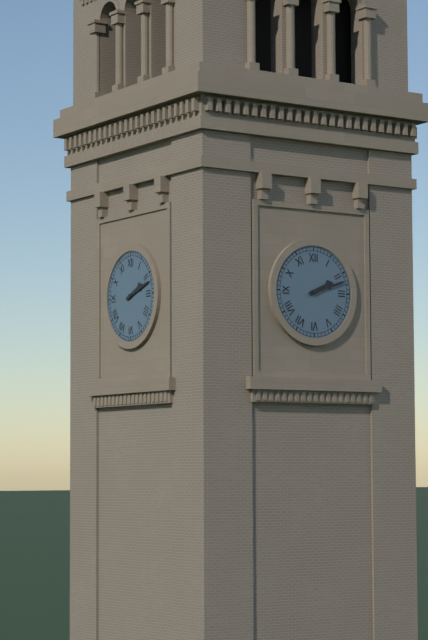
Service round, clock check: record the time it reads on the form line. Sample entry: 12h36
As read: 2h12
